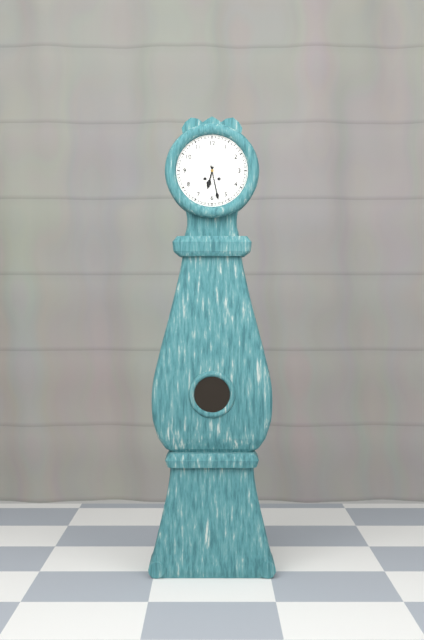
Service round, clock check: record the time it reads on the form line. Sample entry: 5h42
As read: 6h28
